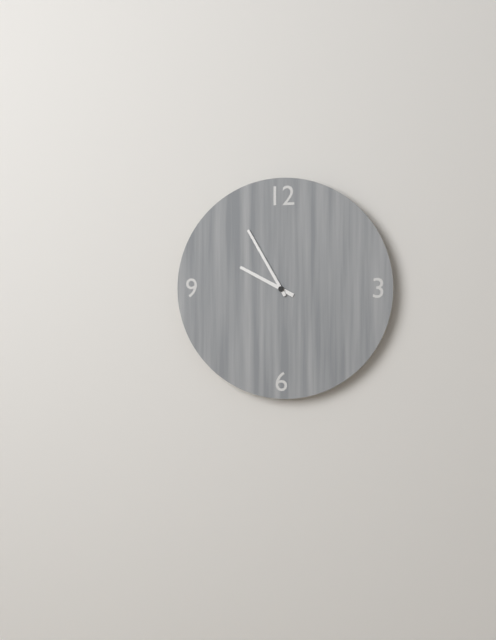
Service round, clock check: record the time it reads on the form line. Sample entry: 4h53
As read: 9h55
